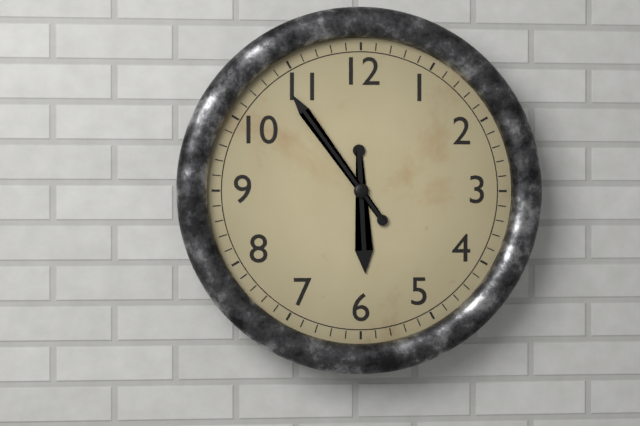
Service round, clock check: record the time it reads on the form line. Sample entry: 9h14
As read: 5h54
